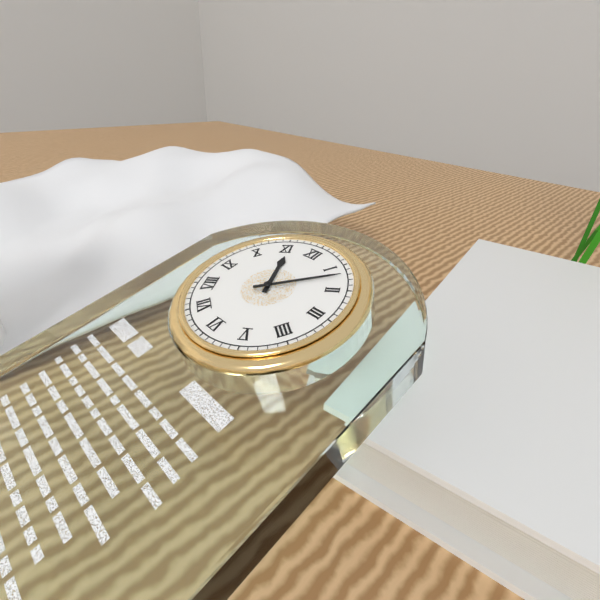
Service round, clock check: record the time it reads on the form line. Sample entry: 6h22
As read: 11h07
